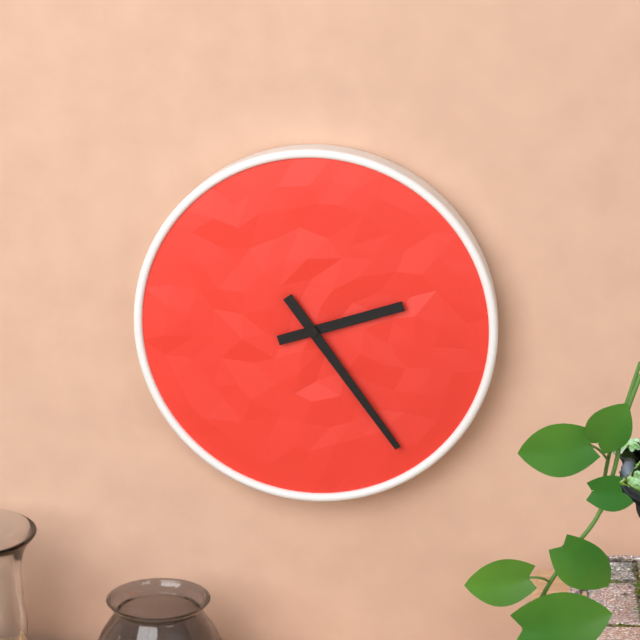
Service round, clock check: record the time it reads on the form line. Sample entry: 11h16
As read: 2h24
